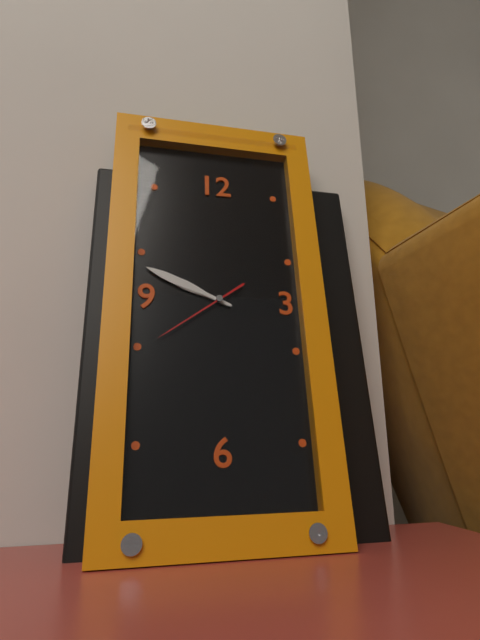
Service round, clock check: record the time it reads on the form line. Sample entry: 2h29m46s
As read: 9h49m39s
